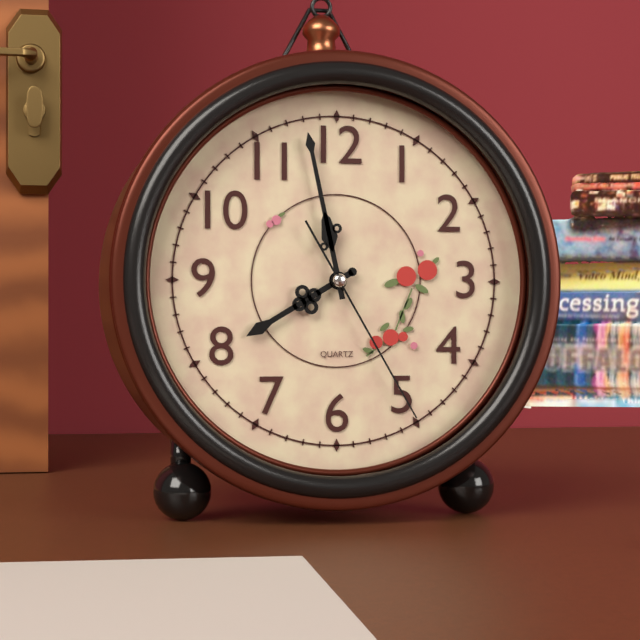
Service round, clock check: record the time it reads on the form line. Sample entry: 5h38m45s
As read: 7h58m25s
